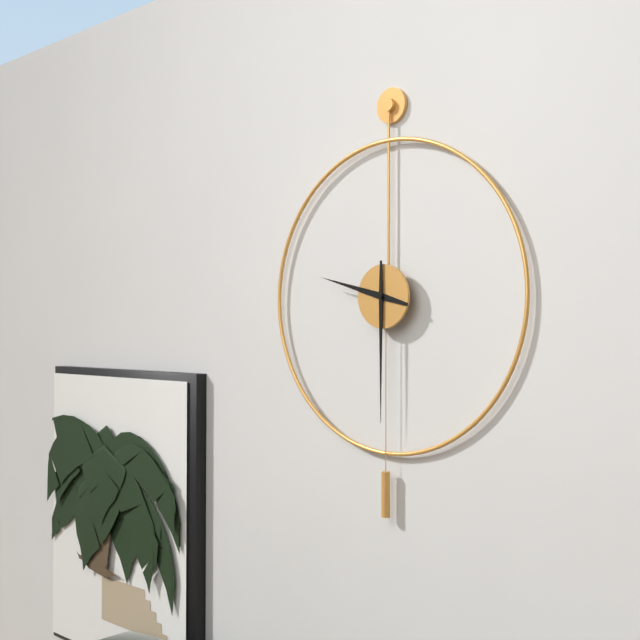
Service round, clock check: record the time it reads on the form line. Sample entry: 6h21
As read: 9h30
